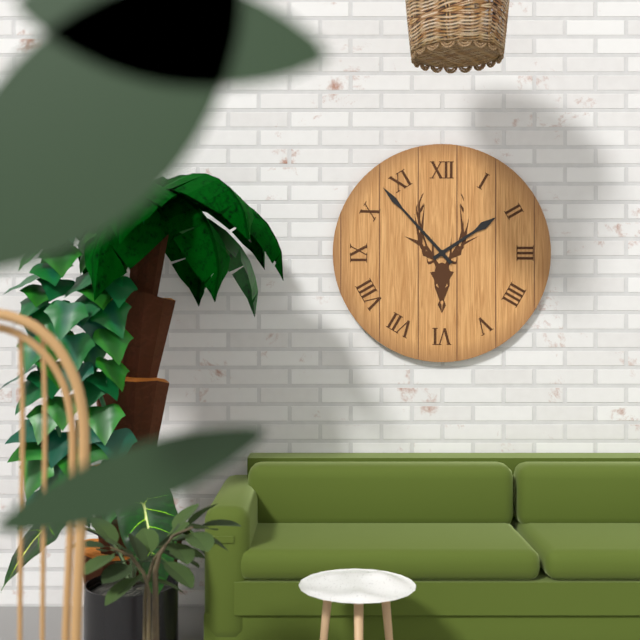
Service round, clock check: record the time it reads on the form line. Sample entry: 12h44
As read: 1h53
